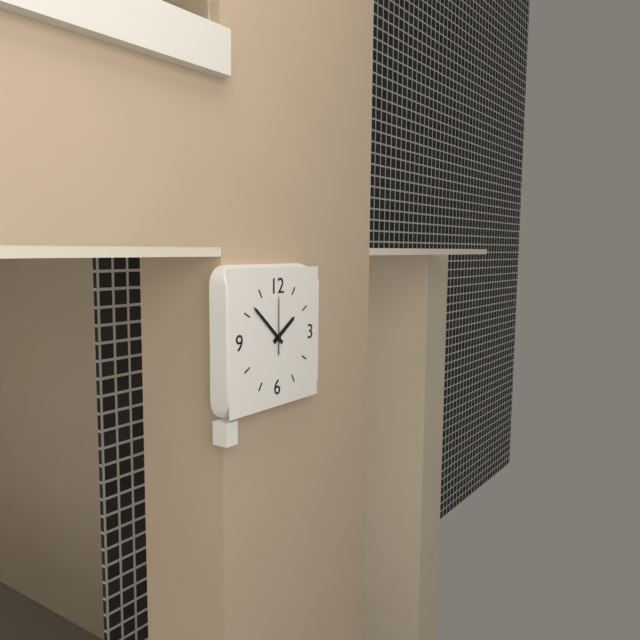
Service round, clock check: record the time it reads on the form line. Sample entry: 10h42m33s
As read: 1h52m00s
